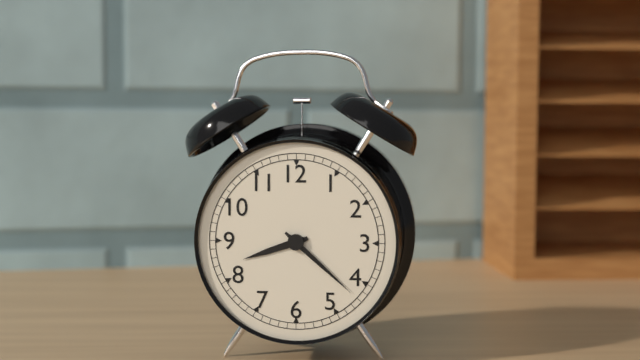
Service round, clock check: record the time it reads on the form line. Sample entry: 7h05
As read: 8h22
